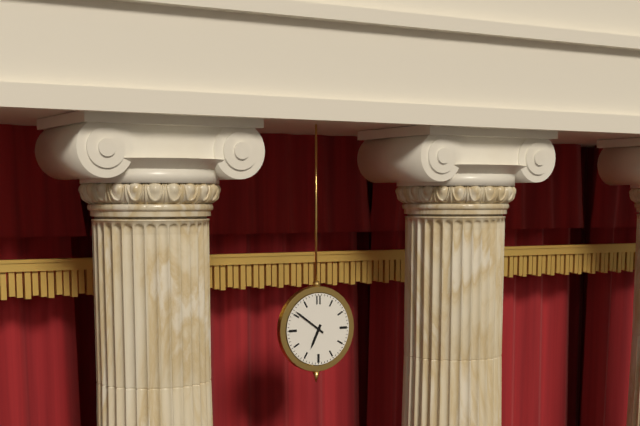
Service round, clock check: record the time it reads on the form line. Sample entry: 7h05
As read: 6h51
